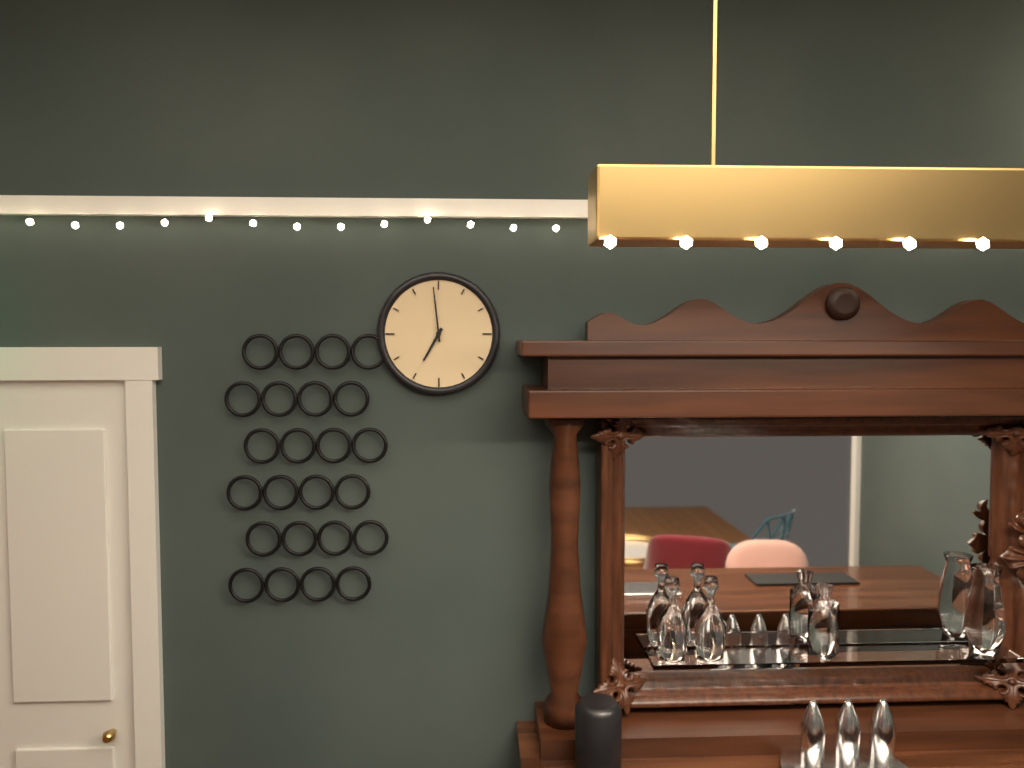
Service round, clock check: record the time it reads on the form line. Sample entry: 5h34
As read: 6h59
